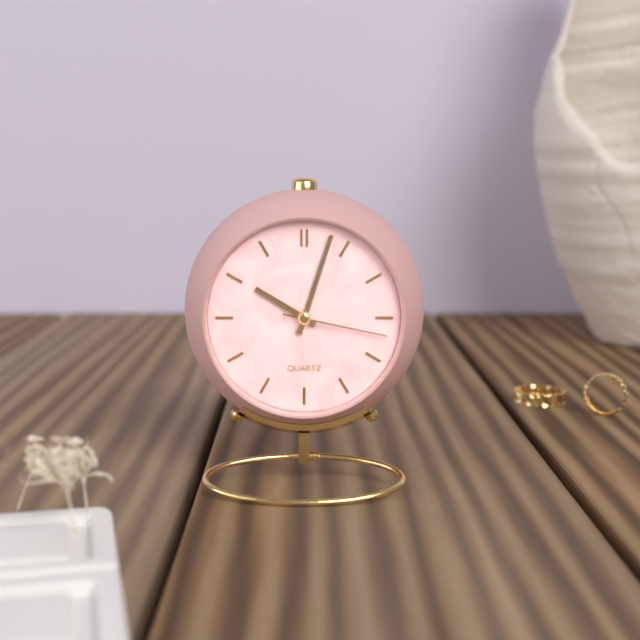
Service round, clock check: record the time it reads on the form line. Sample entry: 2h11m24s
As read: 10h03m17s
